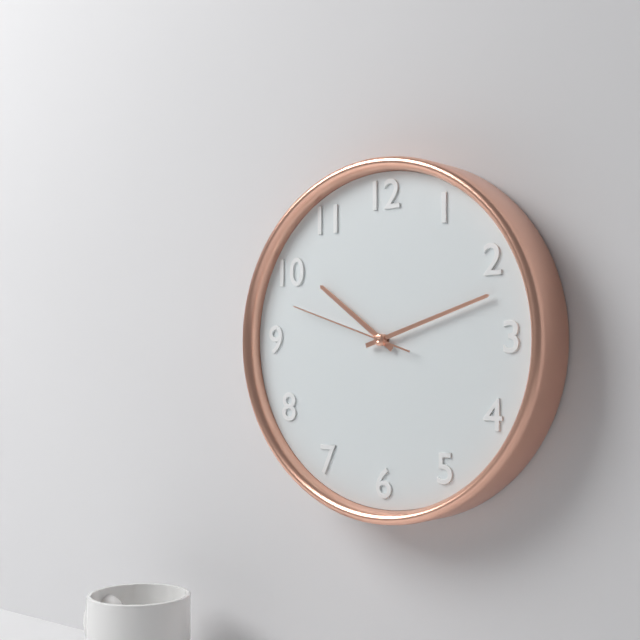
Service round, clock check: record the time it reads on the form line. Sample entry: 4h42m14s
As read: 10h12m48s
